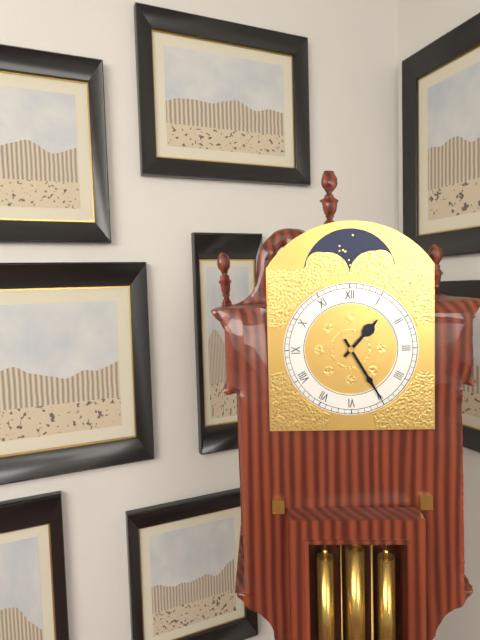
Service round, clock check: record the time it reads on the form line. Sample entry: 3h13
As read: 1h25
